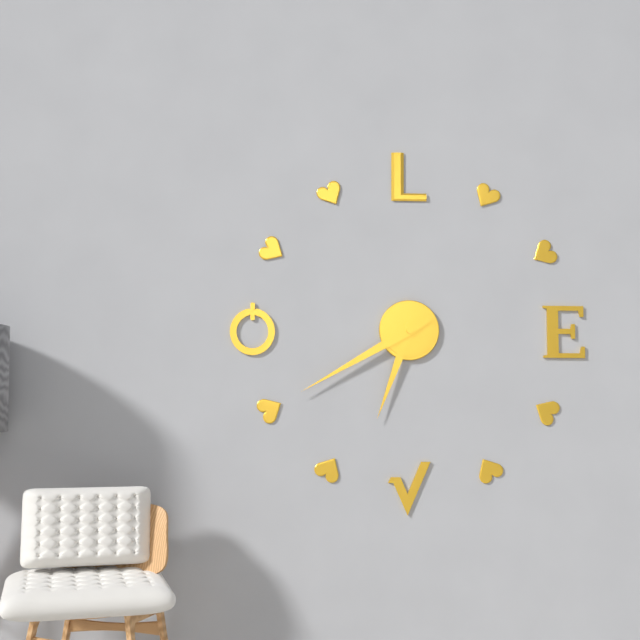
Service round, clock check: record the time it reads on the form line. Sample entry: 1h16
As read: 6h40
